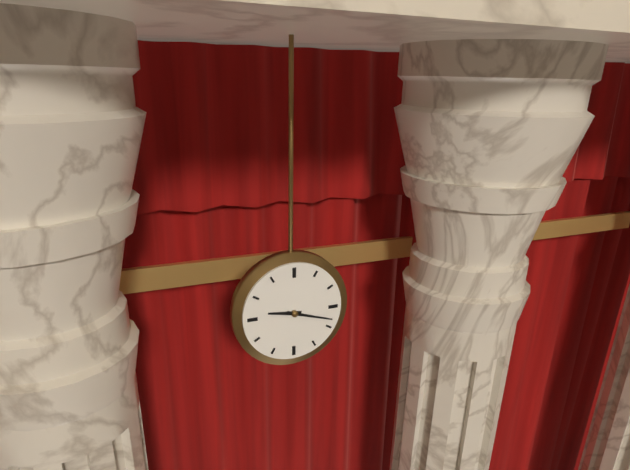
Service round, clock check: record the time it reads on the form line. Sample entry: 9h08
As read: 9h18
